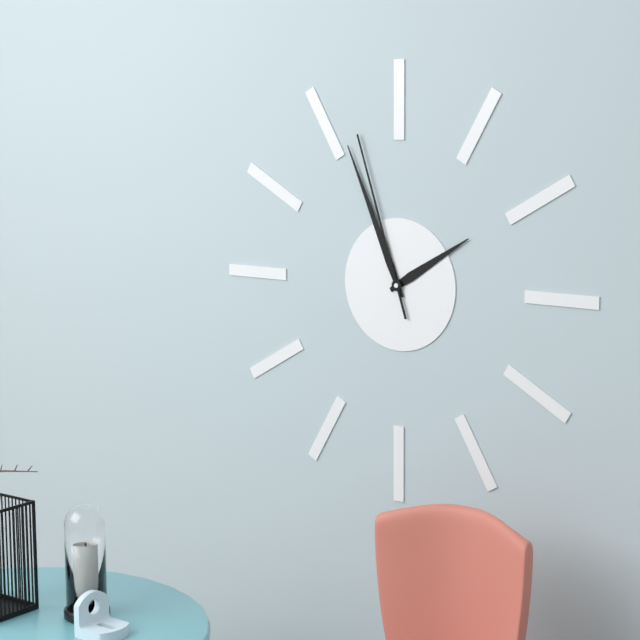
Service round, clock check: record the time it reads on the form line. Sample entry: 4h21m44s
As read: 1h56m57s
